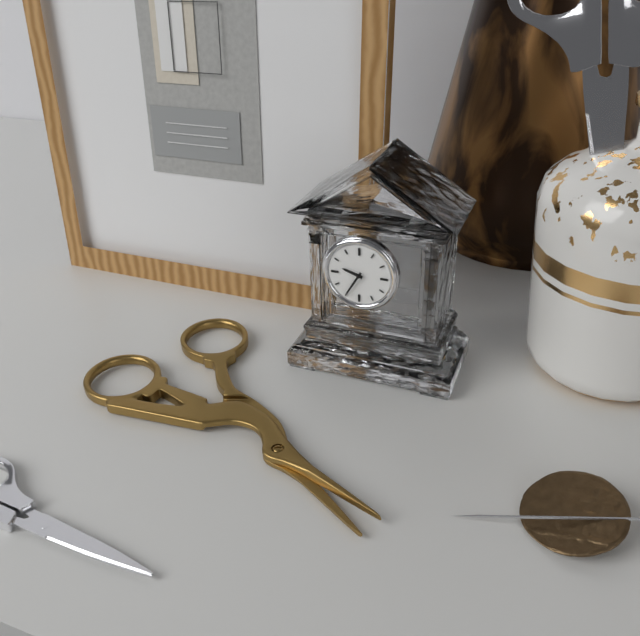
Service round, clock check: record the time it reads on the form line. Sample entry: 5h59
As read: 9h35
